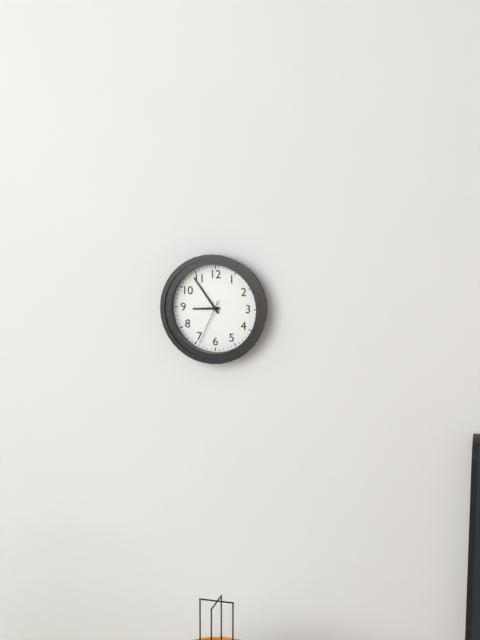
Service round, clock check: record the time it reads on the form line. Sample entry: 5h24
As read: 8h54
